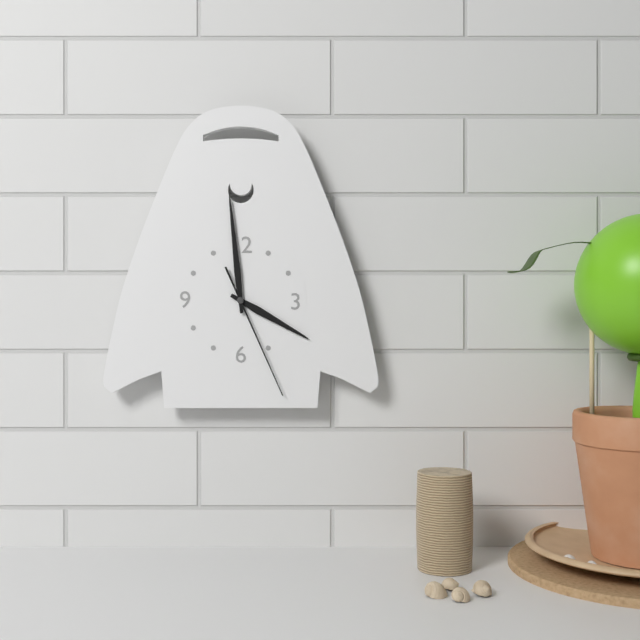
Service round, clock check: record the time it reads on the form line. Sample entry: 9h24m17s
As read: 3h59m26s
